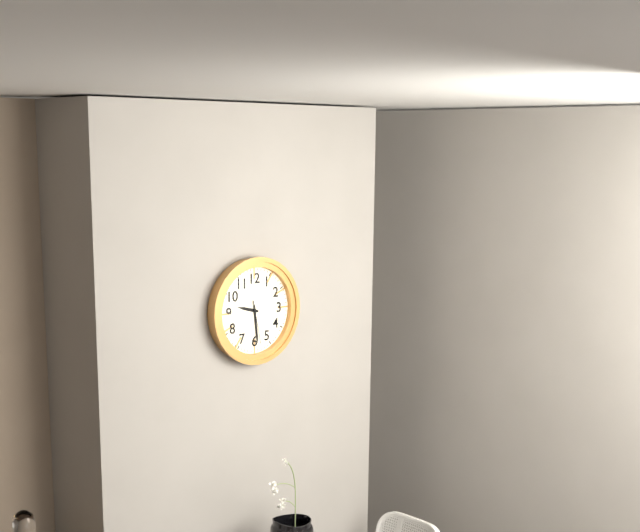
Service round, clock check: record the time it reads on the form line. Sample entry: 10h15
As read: 9h29
